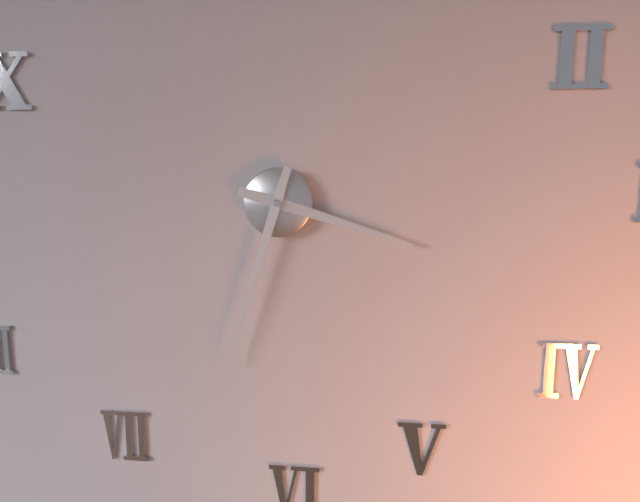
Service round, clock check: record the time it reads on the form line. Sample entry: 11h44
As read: 3h33
